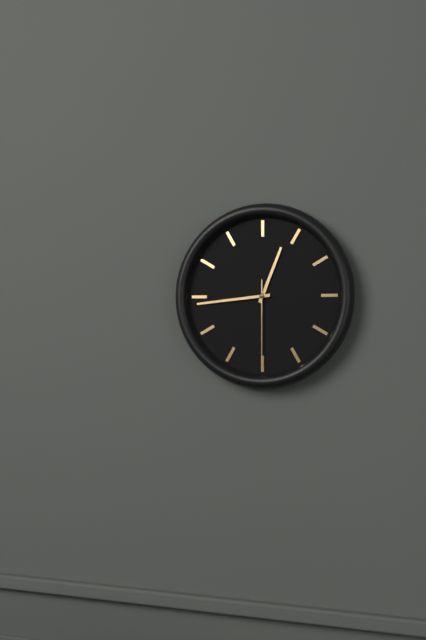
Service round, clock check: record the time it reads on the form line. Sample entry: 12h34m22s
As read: 12h44m30s
